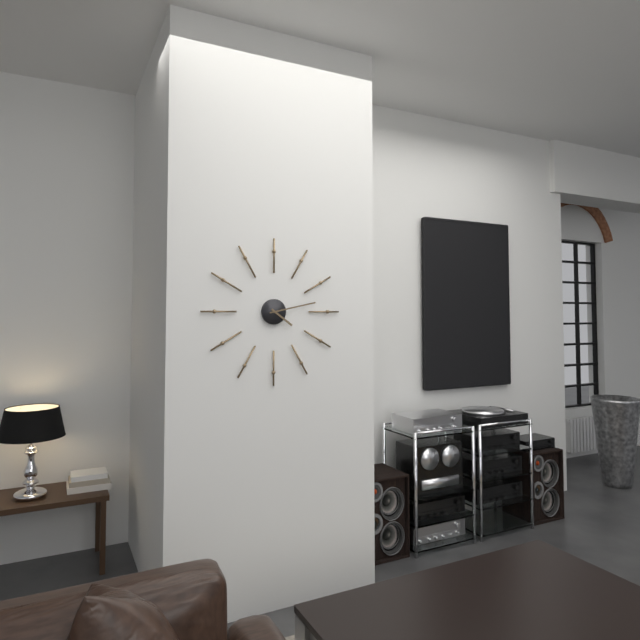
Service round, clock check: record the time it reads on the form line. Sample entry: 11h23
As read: 4h13
